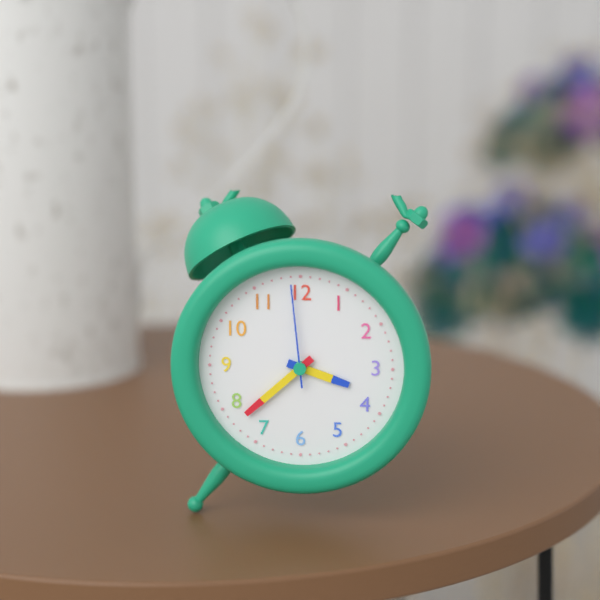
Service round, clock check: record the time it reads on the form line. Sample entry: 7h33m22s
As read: 3h38m59s
